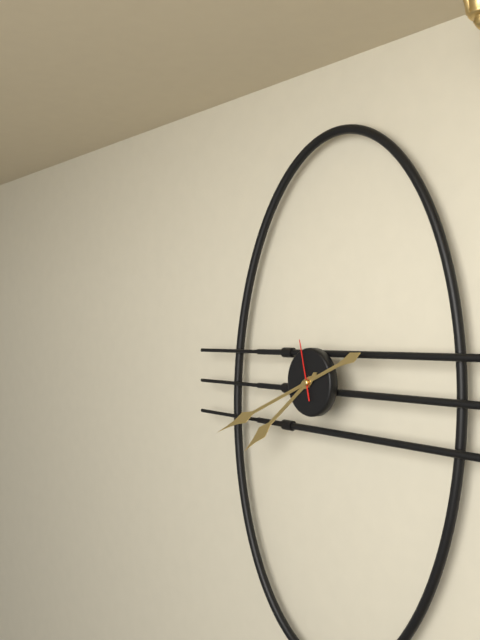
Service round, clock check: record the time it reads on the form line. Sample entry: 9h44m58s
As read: 7h41m58s
